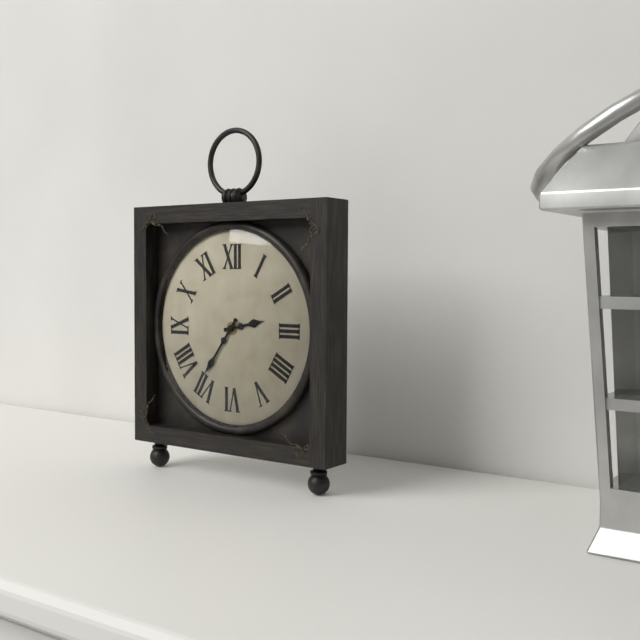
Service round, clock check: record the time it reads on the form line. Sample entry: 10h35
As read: 2h36
